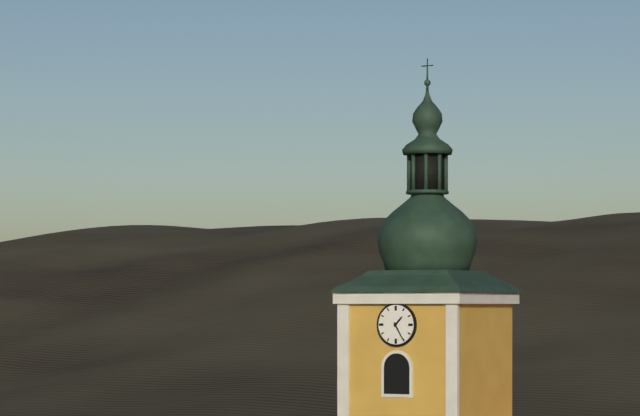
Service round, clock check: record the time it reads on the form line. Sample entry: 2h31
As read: 1h25
